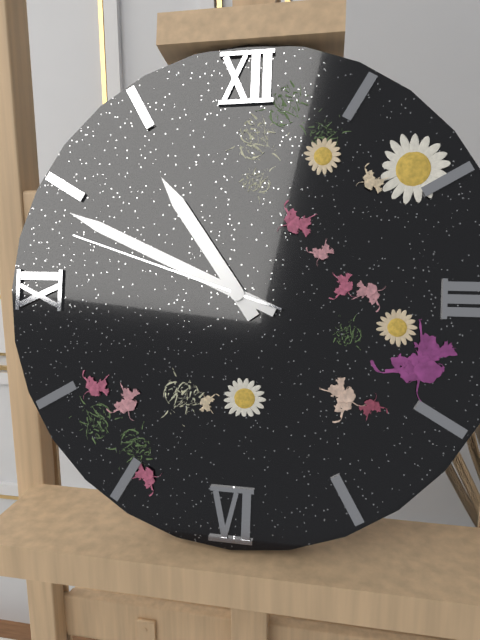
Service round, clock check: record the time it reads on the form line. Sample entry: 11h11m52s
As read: 10h49m48s
